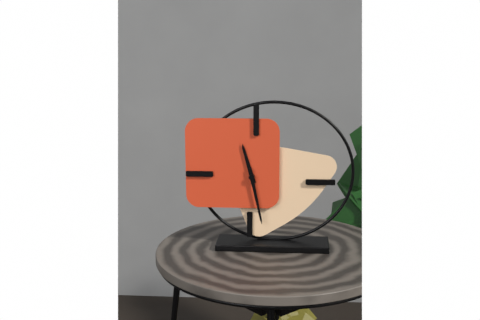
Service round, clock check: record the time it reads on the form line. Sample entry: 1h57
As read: 11h28
